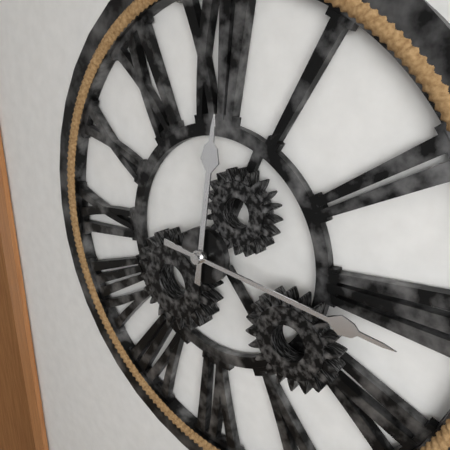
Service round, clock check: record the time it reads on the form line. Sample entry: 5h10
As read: 12h16
